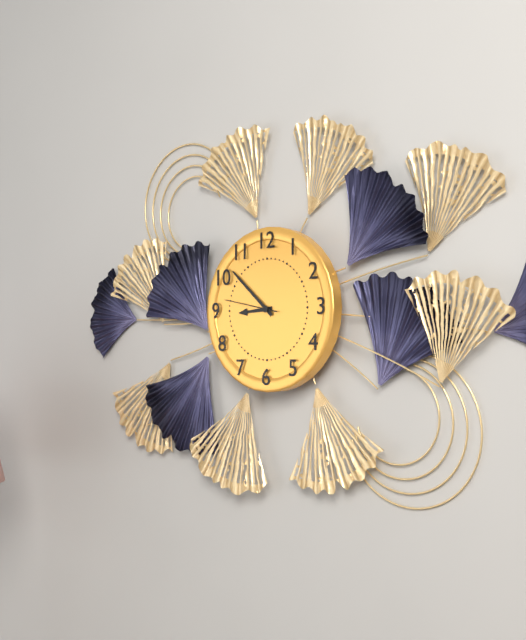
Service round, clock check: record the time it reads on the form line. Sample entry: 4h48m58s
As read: 8h52m47s
